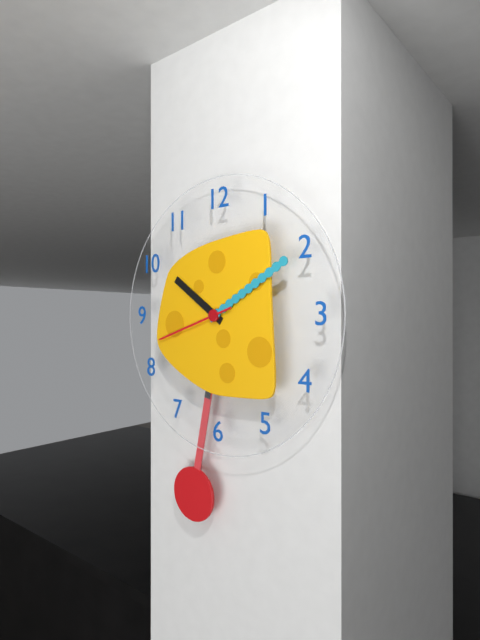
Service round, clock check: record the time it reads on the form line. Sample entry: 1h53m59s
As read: 10h10m42s
